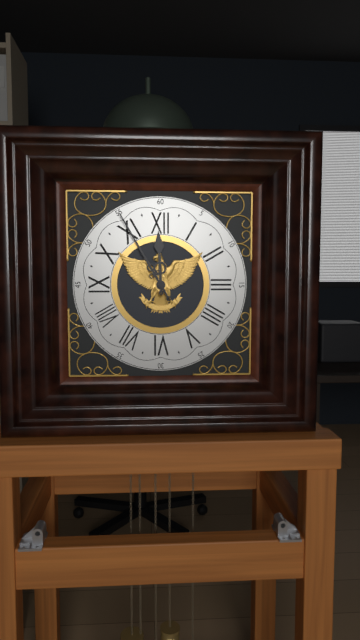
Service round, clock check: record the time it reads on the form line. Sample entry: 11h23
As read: 11h55
